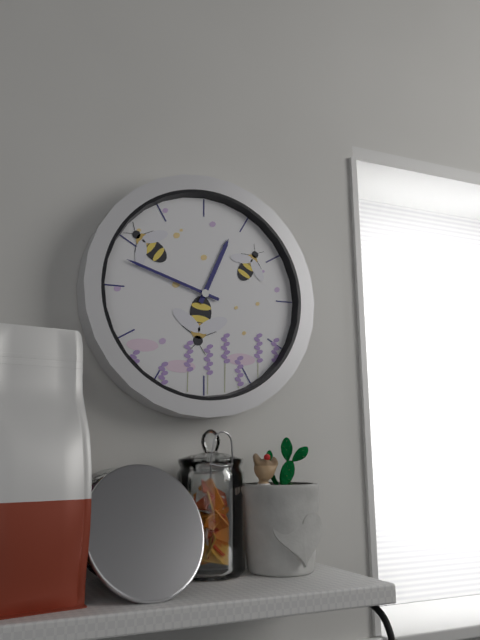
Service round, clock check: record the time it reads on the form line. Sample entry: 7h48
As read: 12h48
